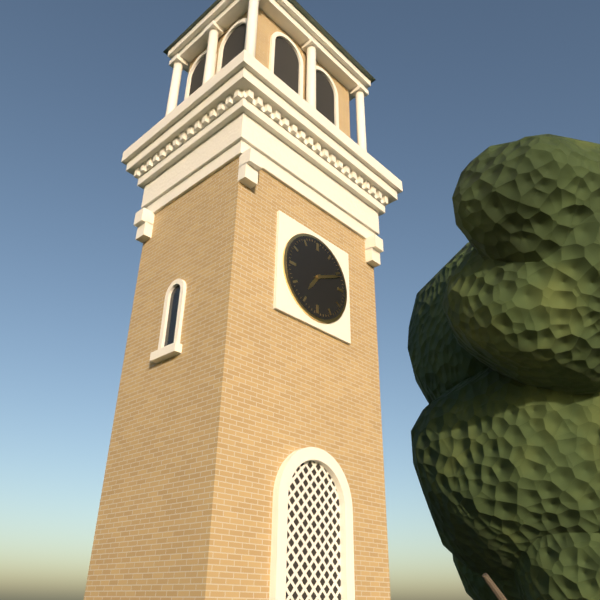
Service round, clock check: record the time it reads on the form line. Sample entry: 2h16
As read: 7h11
